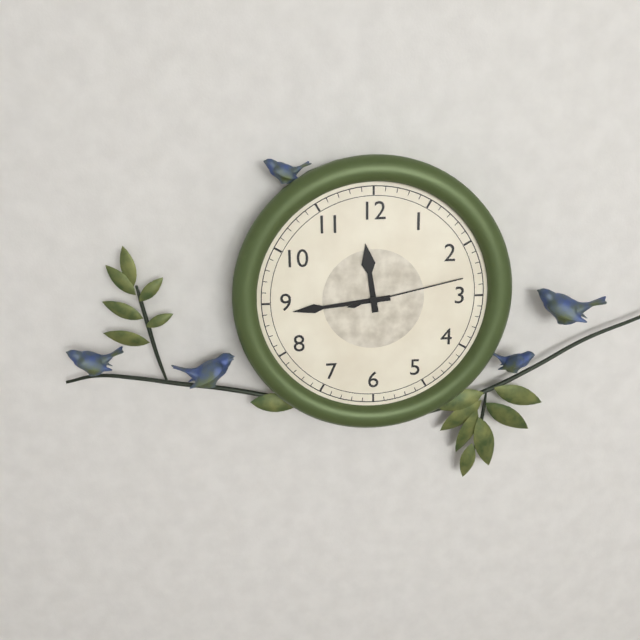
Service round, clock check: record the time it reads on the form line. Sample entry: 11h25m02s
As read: 11h44m13s
